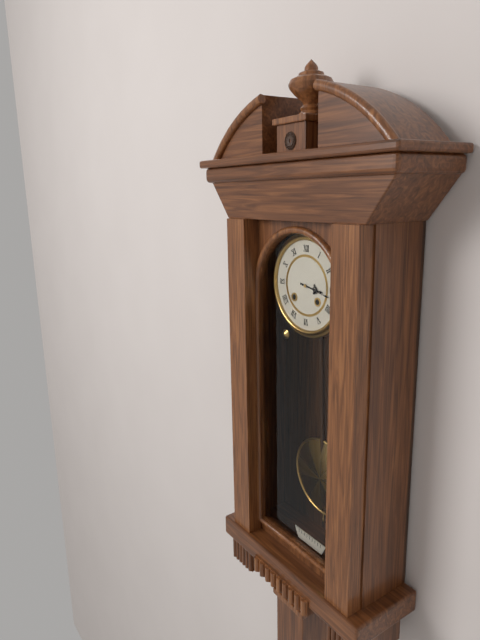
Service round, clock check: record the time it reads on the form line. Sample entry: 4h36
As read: 3h17
